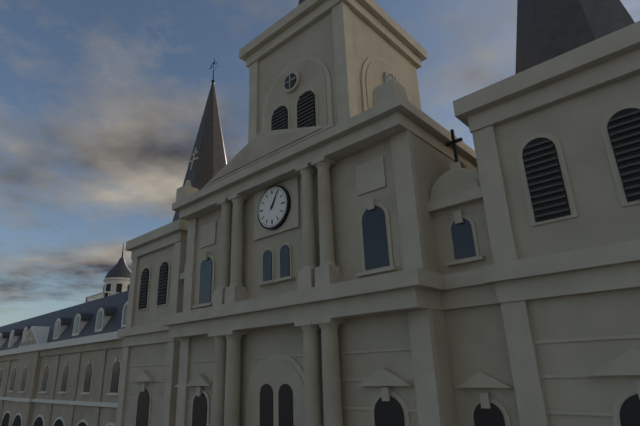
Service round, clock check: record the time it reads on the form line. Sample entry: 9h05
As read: 1h05
